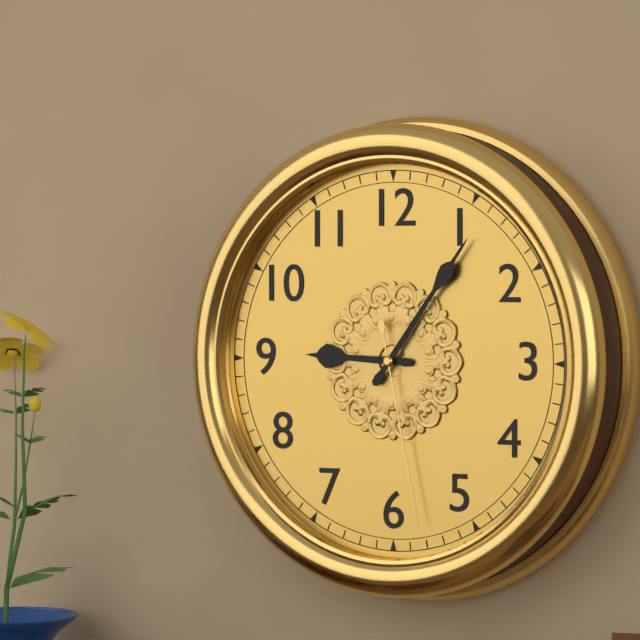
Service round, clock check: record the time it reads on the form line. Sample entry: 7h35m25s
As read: 9h06m28s
